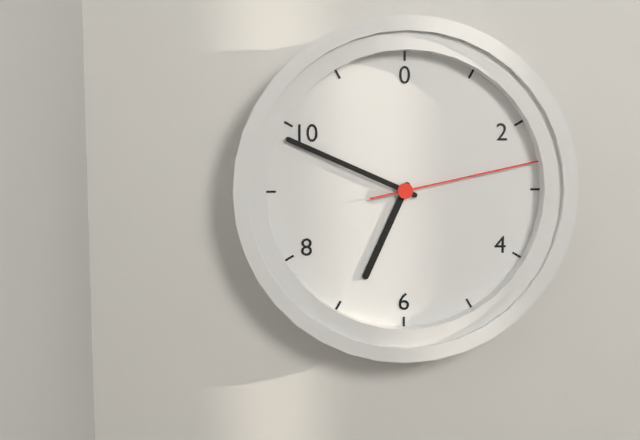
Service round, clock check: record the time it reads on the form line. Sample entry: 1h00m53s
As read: 6h49m13s
